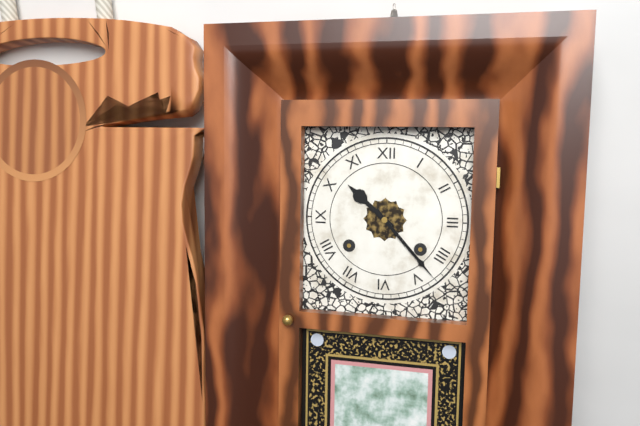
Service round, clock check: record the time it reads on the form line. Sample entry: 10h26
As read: 10h23
